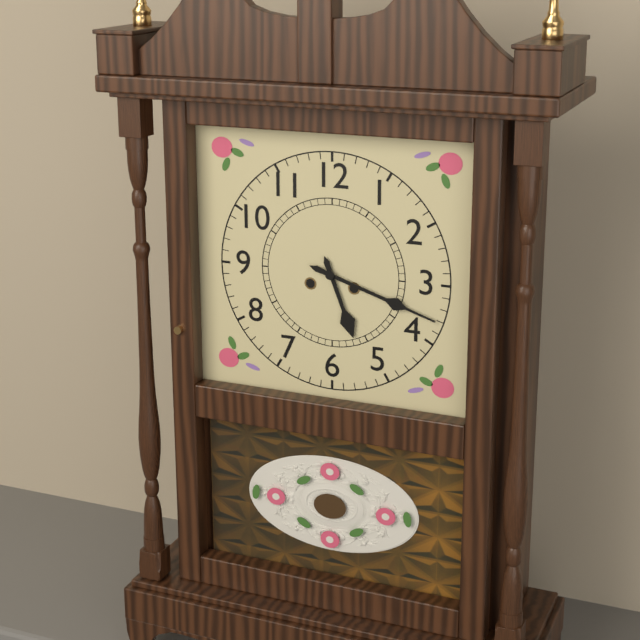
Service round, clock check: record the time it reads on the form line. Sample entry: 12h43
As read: 5h18
